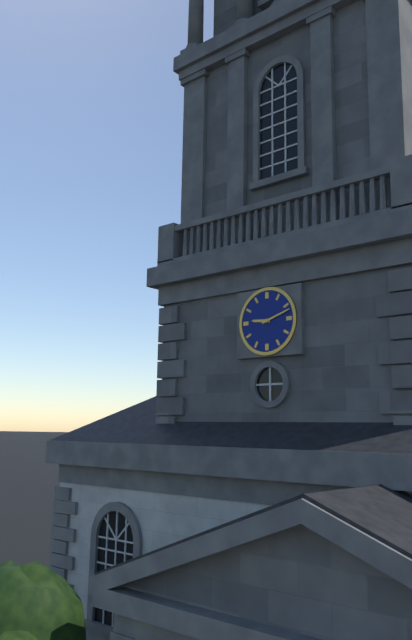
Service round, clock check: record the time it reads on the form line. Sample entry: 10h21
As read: 9h12
